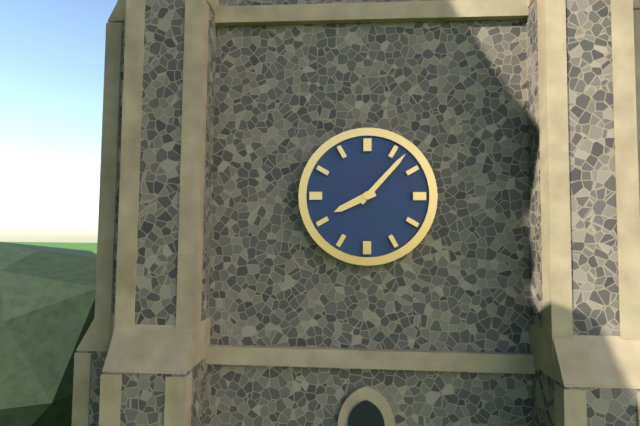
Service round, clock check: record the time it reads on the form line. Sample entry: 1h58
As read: 8h07
